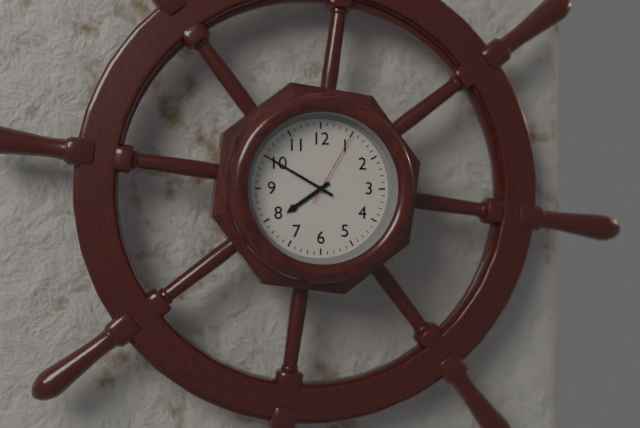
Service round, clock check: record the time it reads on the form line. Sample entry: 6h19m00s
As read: 7h50m05s
